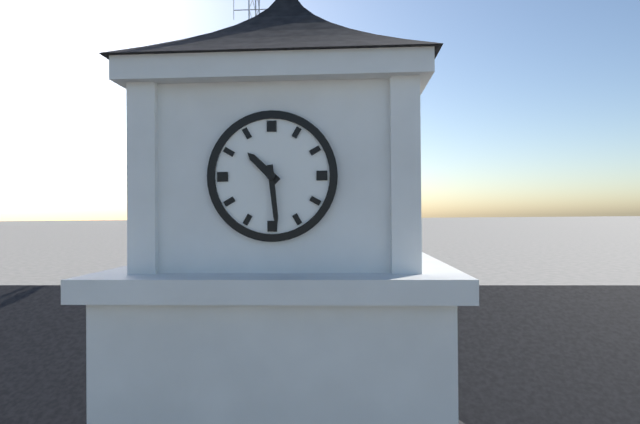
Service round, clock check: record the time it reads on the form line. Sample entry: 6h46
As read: 10h29
